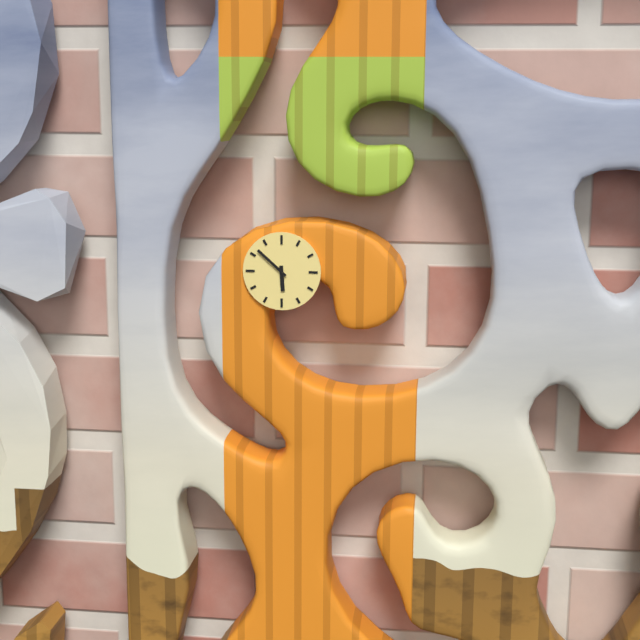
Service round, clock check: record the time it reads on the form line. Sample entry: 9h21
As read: 5h52
